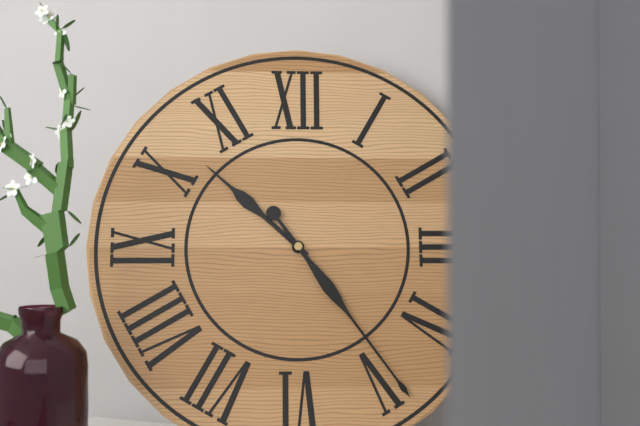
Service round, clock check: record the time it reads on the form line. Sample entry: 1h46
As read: 10h24
